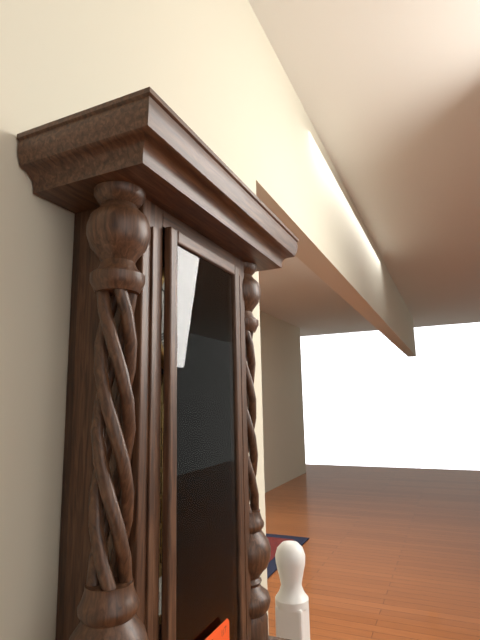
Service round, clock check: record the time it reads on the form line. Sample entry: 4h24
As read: 7h16
